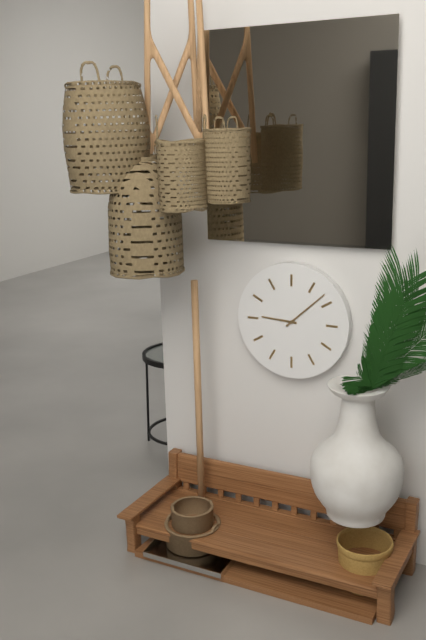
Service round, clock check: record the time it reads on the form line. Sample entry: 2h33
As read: 9h08
